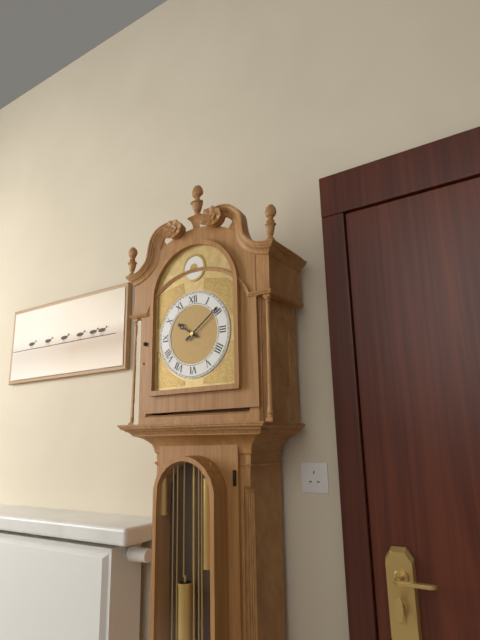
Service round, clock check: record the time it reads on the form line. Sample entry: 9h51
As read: 10h09
